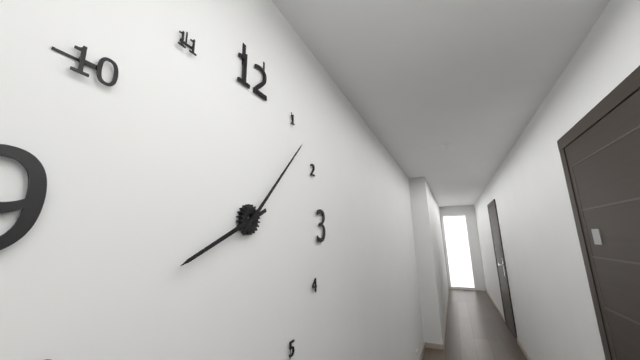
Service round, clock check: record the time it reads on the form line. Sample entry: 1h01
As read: 8h07
